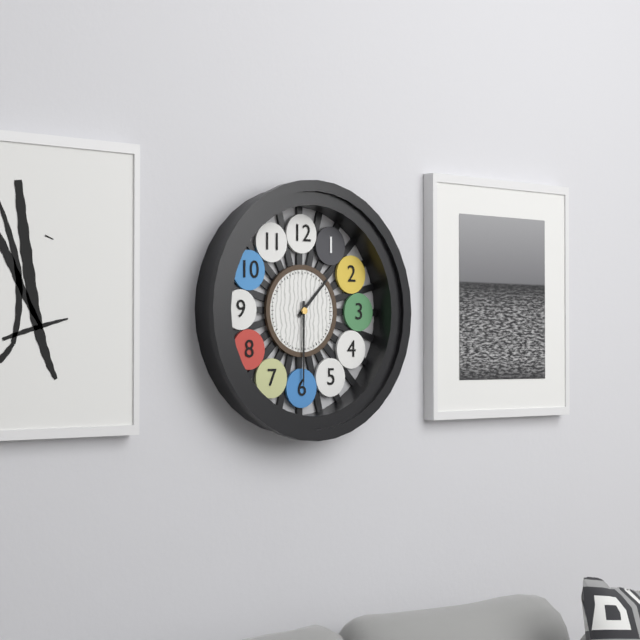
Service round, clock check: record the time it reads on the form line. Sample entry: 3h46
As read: 1h30
